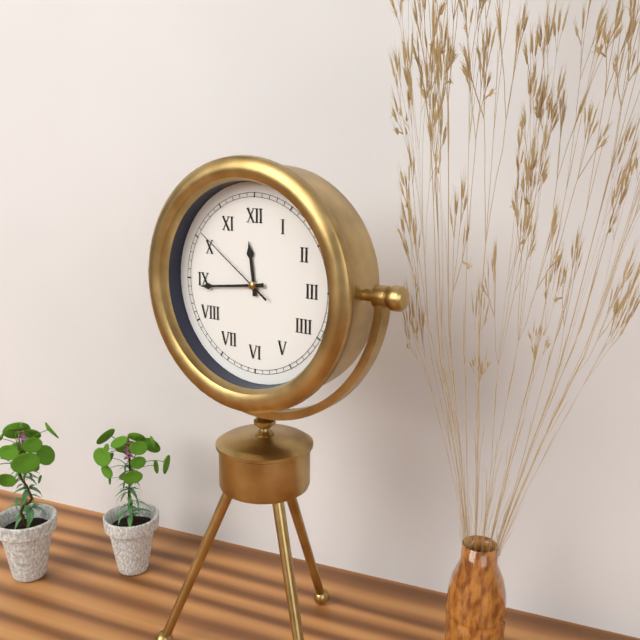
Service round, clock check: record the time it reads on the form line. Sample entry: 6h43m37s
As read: 11h44m51s
